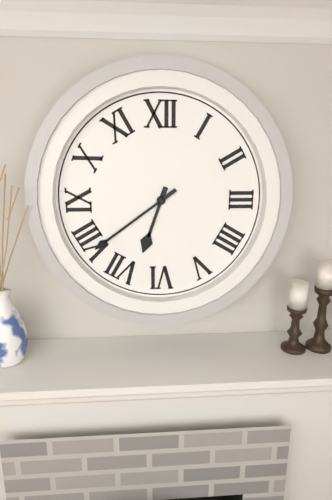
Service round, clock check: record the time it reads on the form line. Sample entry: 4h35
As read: 6h39
